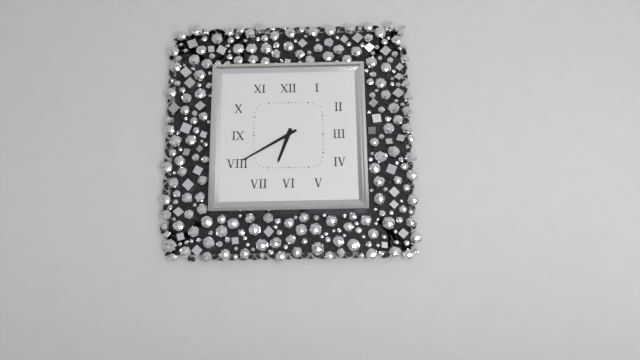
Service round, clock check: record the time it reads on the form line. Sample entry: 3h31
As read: 6h40
